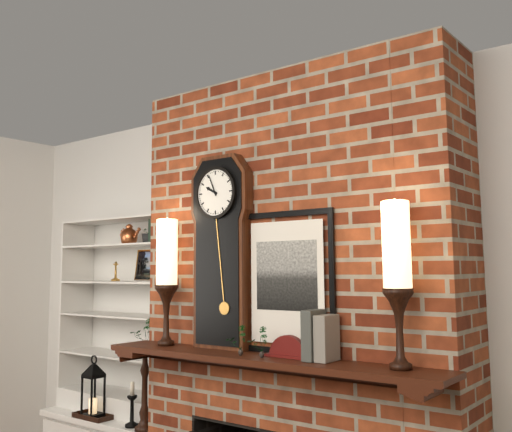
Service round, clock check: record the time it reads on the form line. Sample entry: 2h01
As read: 9h56
